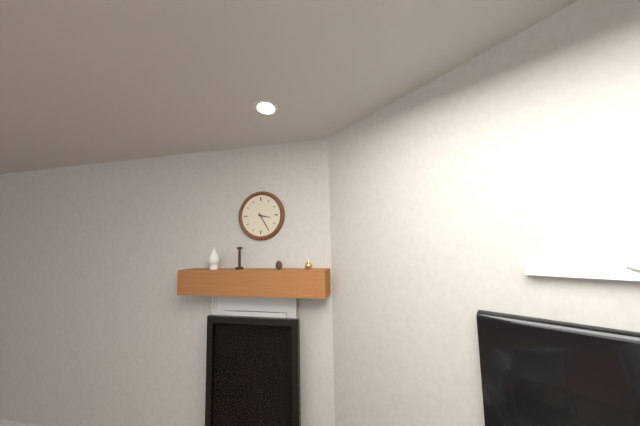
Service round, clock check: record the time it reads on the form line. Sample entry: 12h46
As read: 3h25
